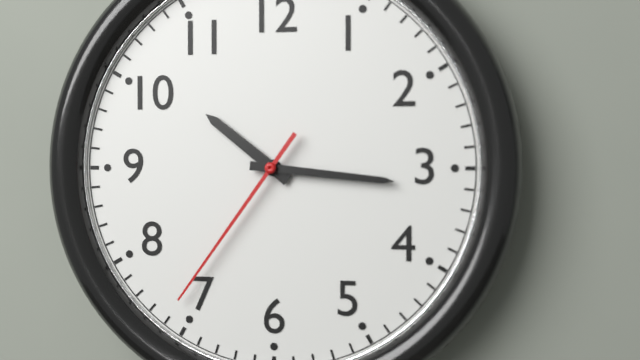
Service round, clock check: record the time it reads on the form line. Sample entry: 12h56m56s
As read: 10h16m36s
